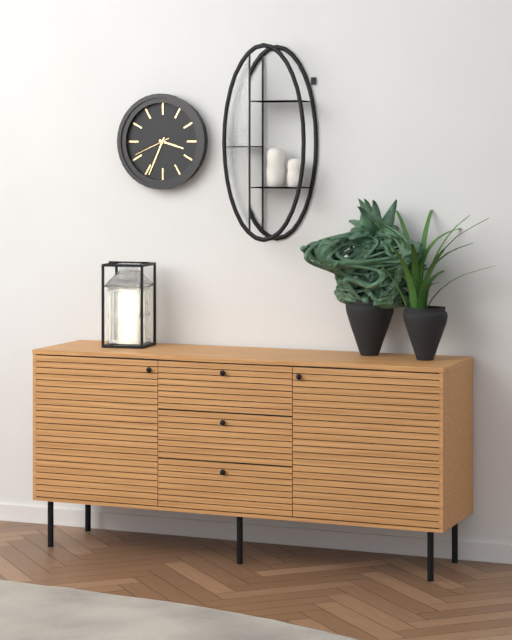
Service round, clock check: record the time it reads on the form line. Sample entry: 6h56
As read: 3h34
